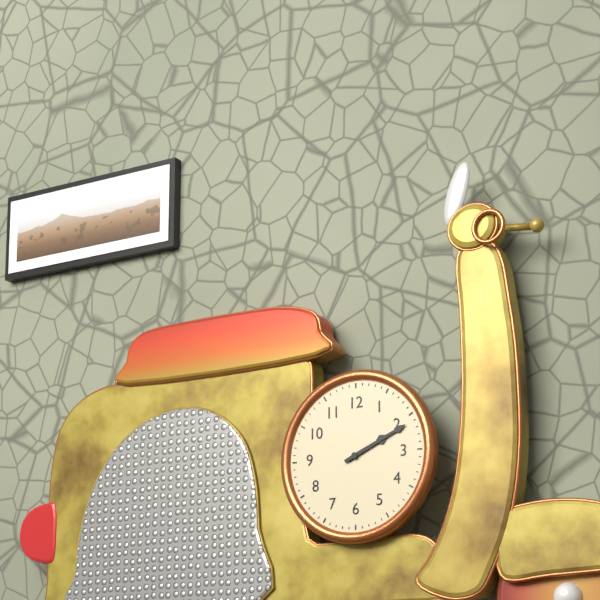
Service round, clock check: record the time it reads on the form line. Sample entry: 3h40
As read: 2h11
